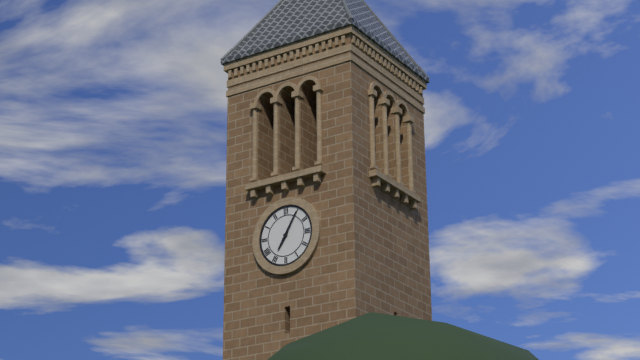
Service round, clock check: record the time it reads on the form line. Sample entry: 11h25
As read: 7h05
